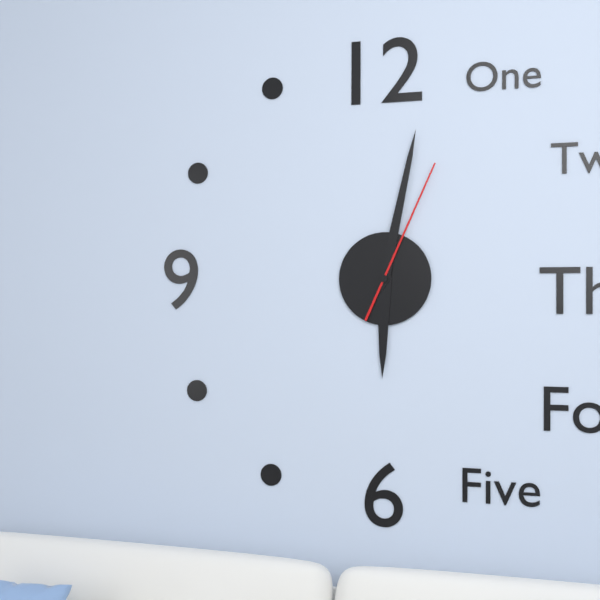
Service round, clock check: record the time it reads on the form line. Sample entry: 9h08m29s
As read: 6h02m04s
